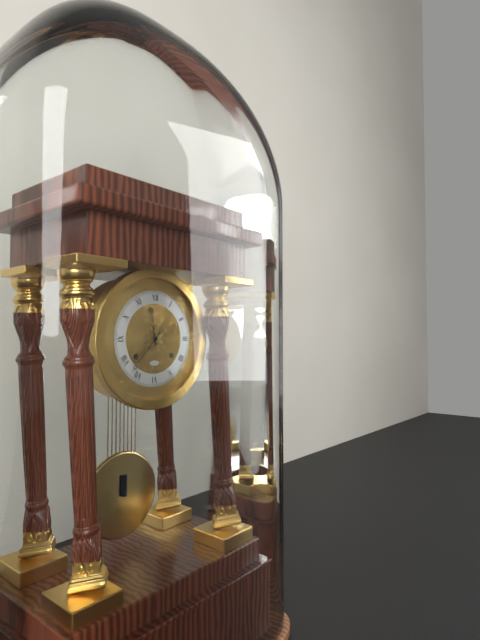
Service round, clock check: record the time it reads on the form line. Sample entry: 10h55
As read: 11h37
